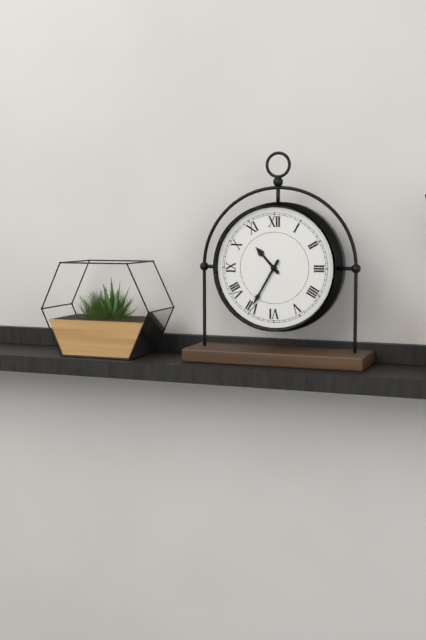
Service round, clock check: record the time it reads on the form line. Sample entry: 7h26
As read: 10h35
